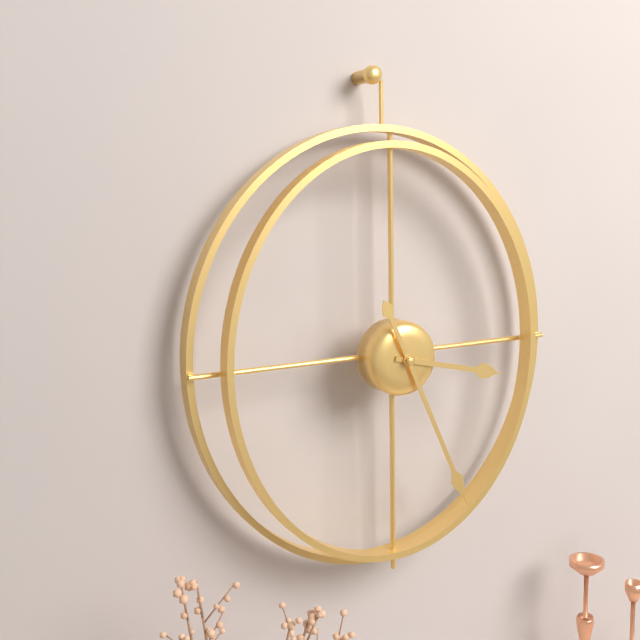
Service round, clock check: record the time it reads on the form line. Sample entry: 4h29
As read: 3h26
